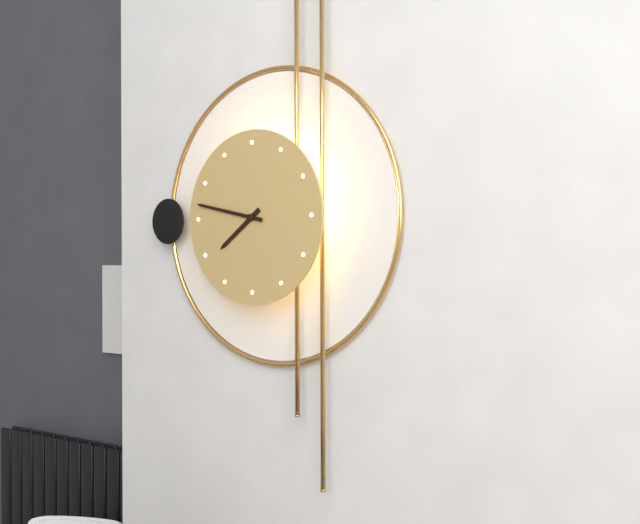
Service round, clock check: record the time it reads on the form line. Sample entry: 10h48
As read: 7h47
